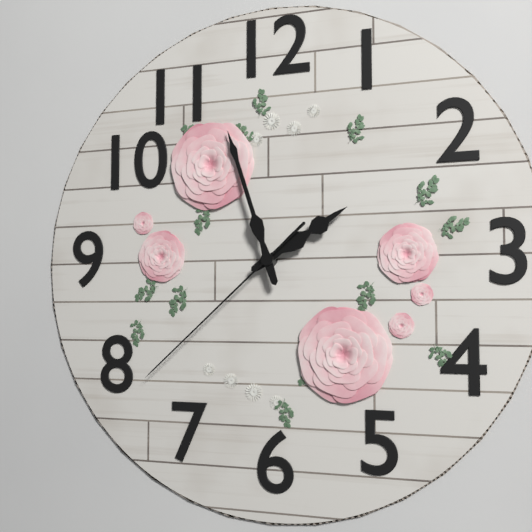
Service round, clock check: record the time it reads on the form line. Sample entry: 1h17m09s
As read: 1h57m38s
